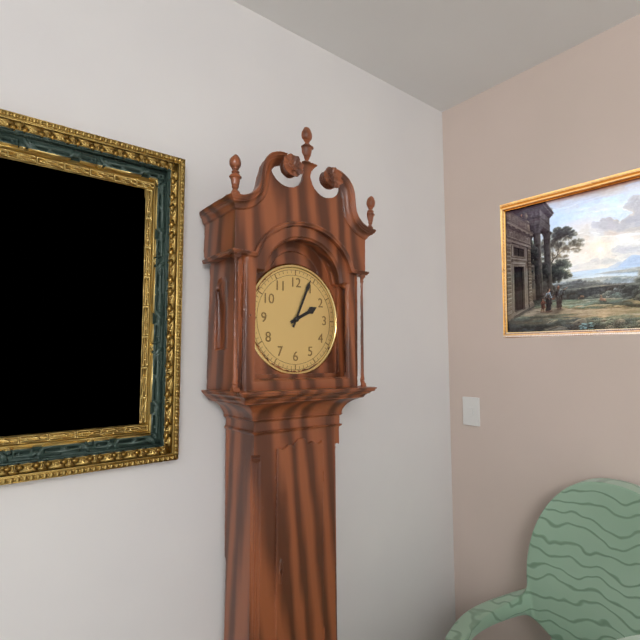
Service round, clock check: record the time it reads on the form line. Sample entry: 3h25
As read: 2h04
